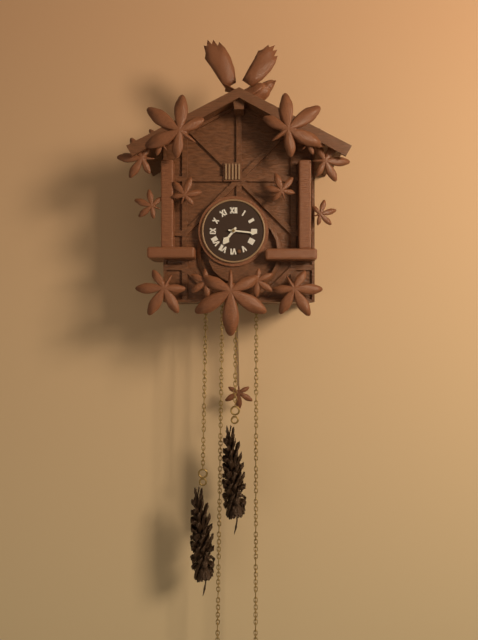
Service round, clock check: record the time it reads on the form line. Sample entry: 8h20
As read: 7h16
